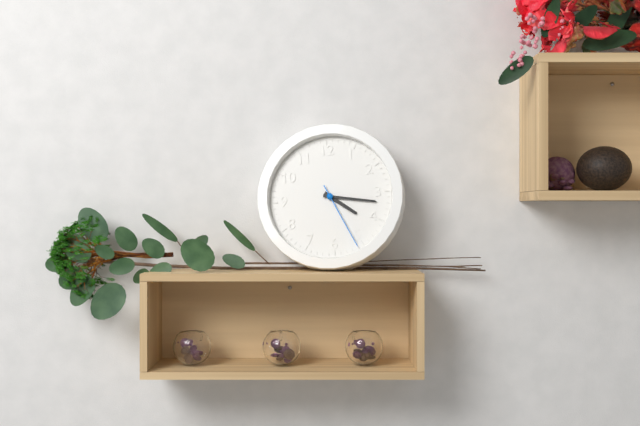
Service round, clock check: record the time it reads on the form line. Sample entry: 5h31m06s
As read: 4h17m26s
